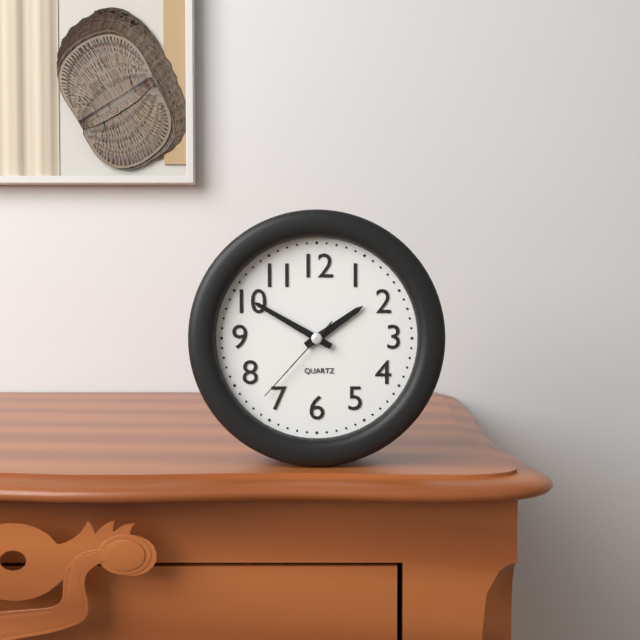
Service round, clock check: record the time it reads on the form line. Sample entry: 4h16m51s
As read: 1h50m37s
